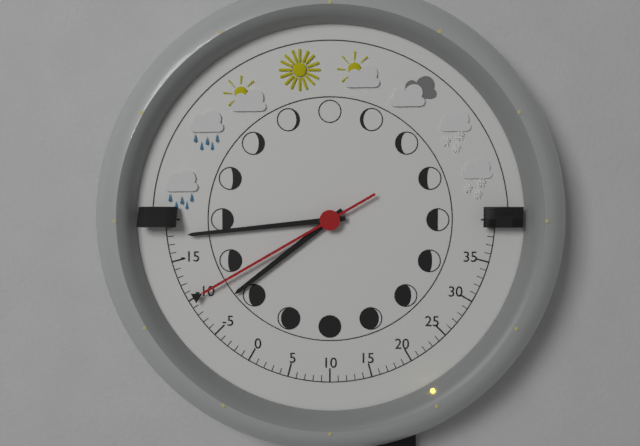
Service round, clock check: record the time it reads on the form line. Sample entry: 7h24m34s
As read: 7h44m40s
